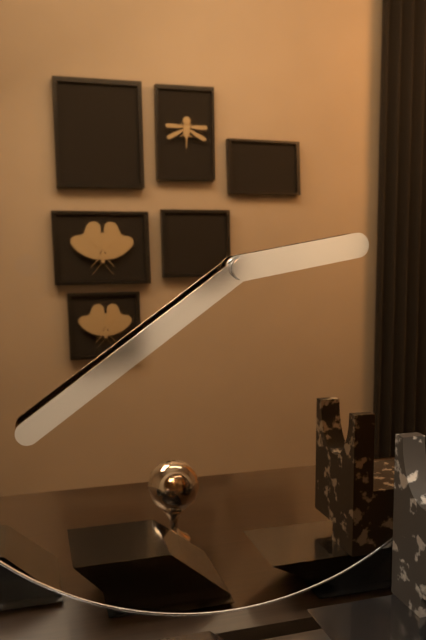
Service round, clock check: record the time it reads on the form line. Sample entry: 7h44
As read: 2h39
